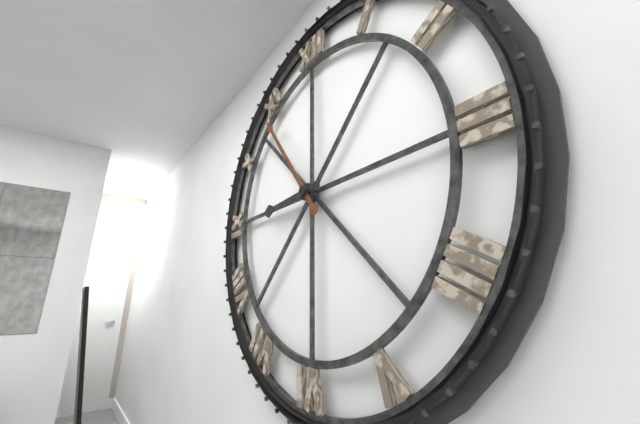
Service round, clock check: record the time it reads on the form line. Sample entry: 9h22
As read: 8h54
